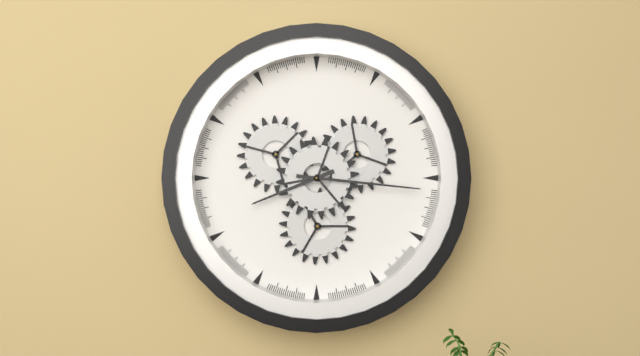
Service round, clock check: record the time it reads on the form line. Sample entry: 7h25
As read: 8h16
